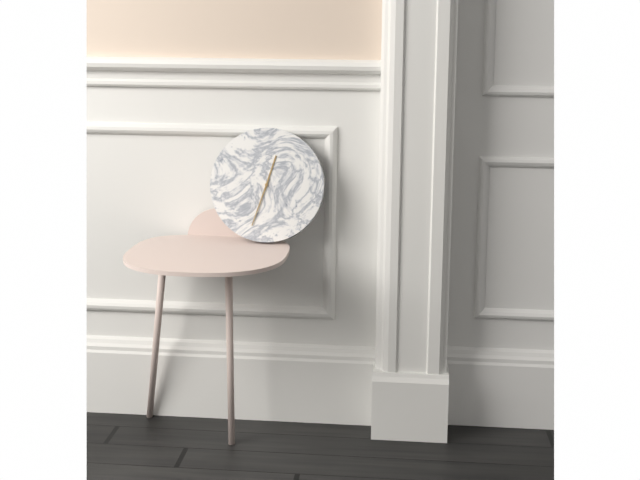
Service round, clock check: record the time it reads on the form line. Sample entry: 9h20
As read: 12h33
